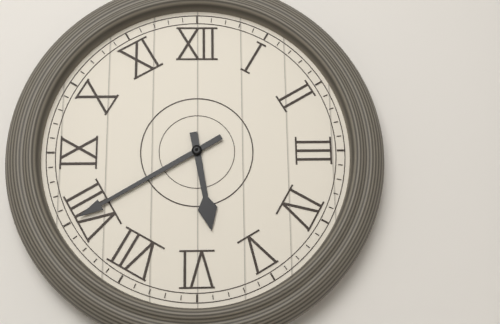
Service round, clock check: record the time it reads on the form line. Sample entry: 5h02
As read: 5h40
